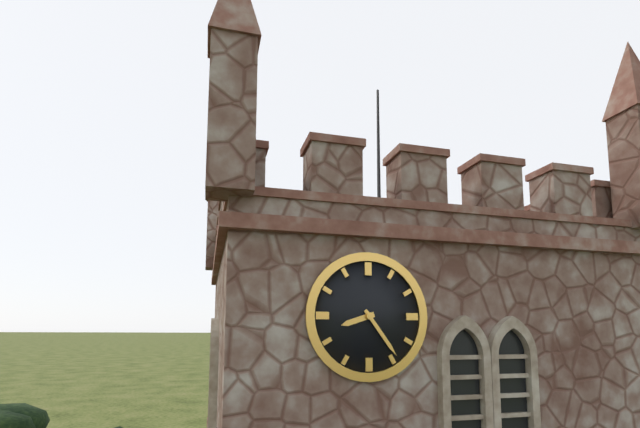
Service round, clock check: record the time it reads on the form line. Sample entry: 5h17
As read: 8h24
